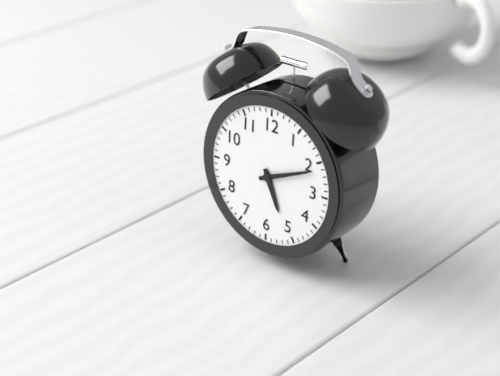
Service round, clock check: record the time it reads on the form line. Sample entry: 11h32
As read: 5h11
